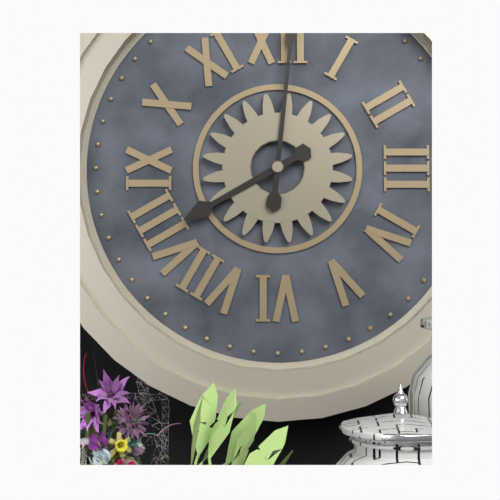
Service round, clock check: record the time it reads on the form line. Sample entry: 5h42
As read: 8h01
